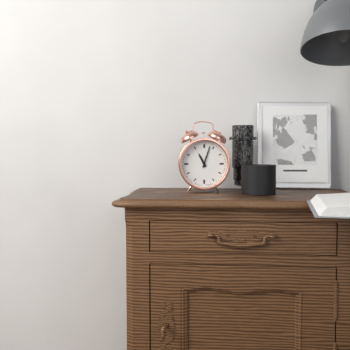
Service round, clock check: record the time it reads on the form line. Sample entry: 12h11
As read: 11h03
